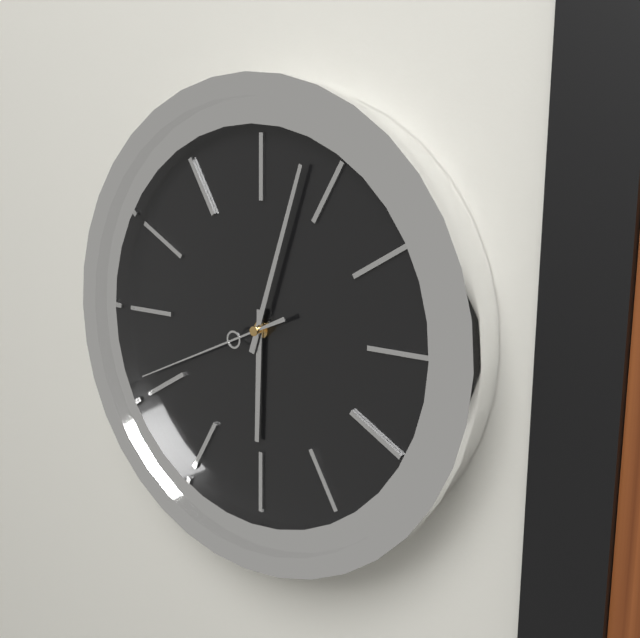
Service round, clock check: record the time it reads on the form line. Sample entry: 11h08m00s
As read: 6h03m41s
